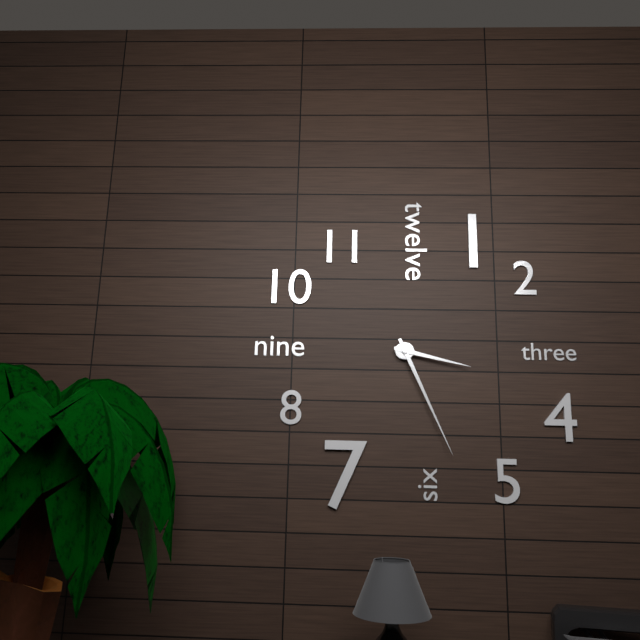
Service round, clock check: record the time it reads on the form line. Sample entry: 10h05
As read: 3h26
